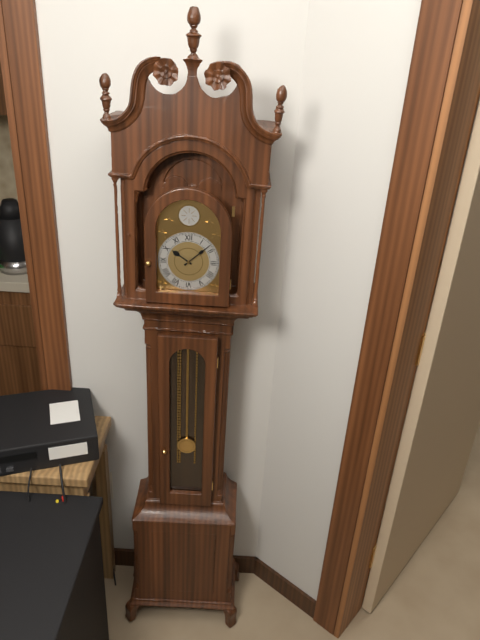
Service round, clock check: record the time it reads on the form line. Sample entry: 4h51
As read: 10h08
